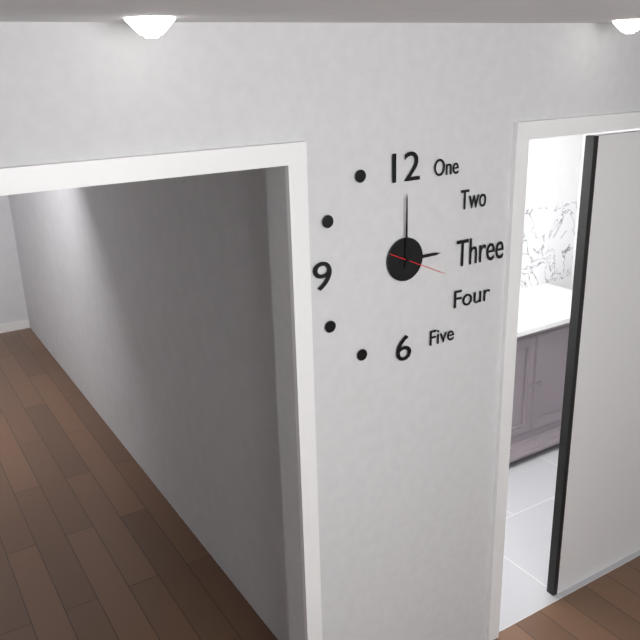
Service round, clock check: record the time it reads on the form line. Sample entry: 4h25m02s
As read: 3h00m19s
